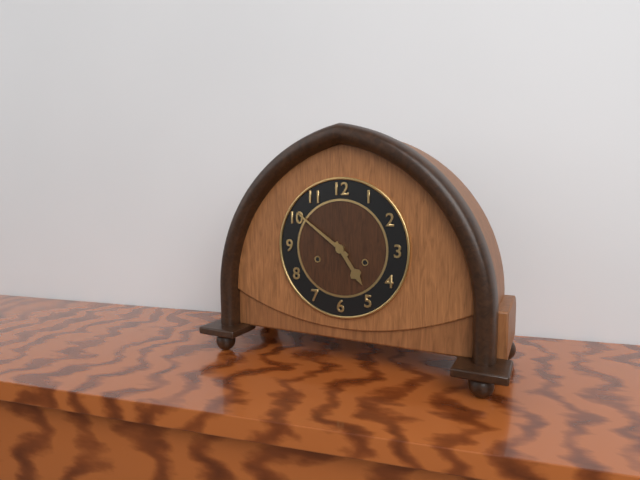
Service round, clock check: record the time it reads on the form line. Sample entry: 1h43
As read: 4h51
